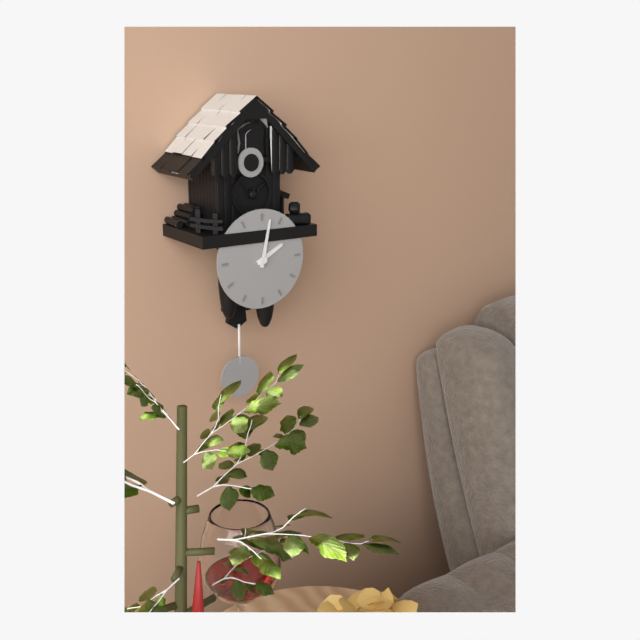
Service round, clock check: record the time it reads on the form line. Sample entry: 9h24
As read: 2h02
